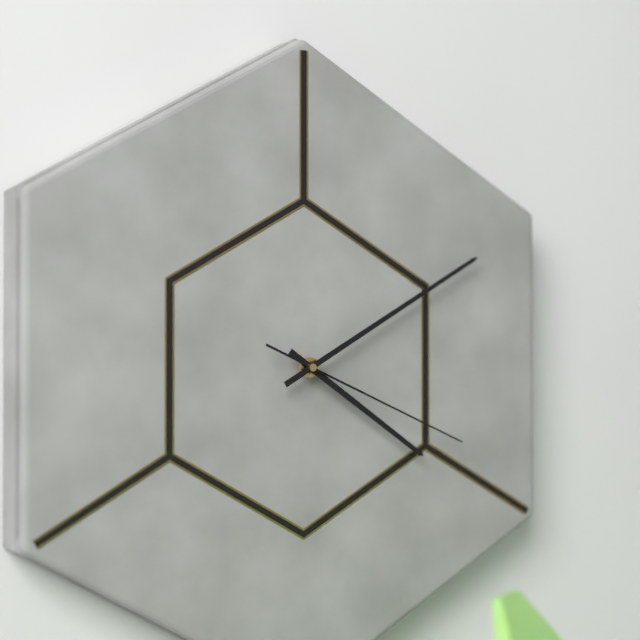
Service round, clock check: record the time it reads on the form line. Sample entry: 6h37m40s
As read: 4h10m19s
